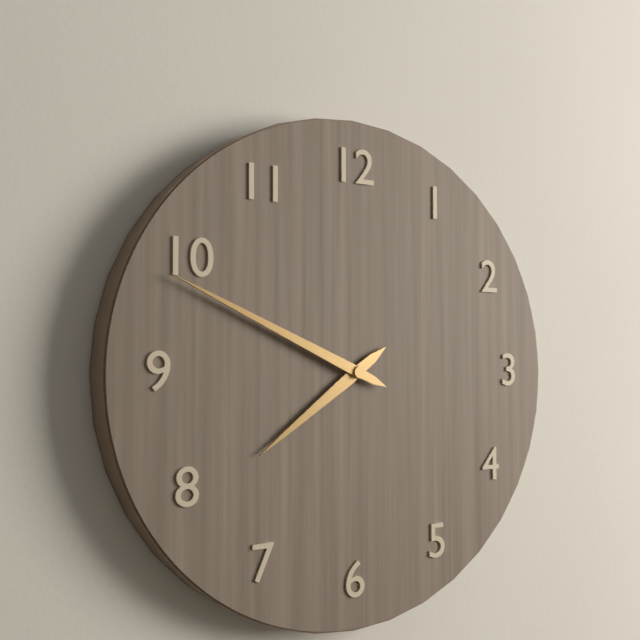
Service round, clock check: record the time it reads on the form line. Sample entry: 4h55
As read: 7h49
